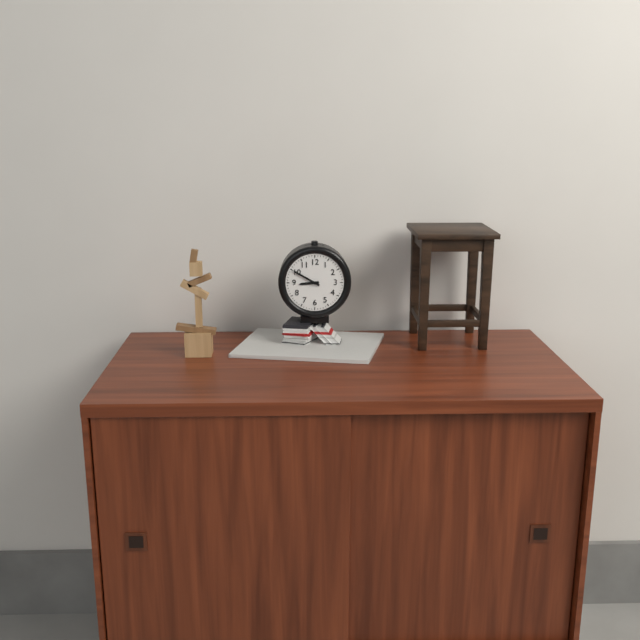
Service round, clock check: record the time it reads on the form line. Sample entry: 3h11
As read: 8h50
